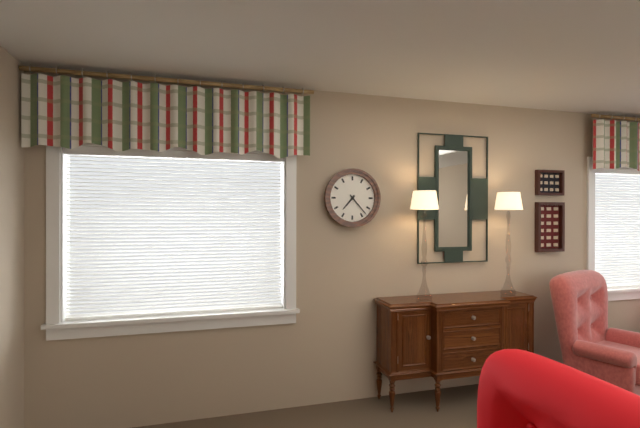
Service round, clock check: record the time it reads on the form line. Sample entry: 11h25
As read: 7h23
